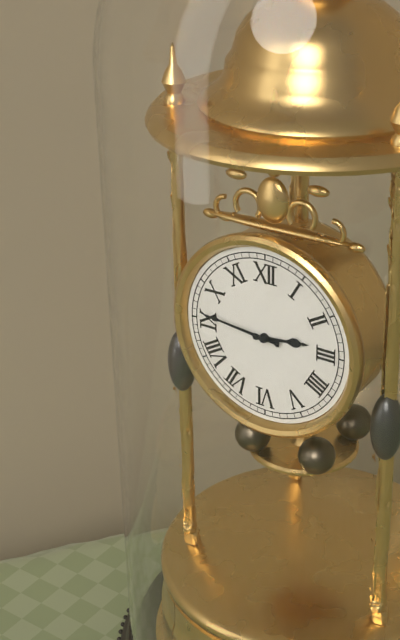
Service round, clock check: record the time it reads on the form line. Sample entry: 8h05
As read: 2h46
